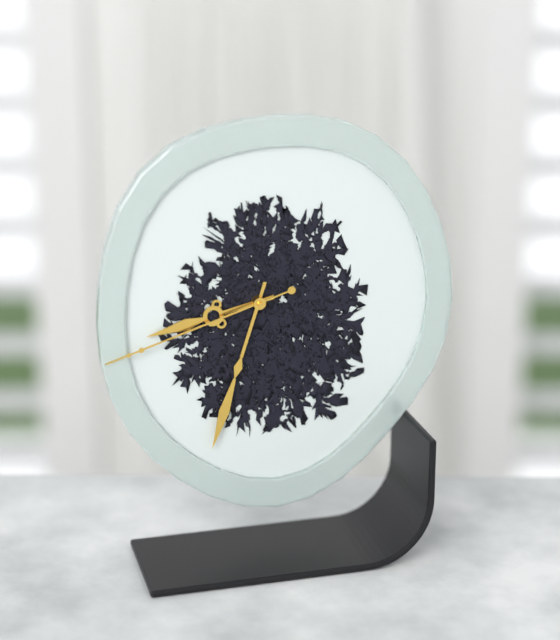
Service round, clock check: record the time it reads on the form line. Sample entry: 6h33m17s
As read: 8h33m42s
